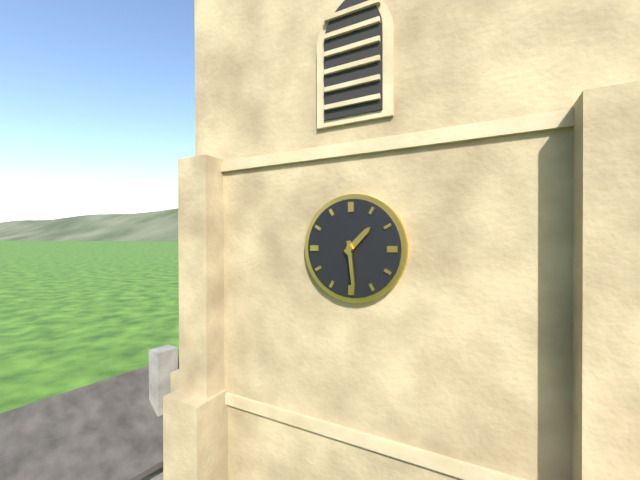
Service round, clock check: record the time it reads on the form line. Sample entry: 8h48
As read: 1h29
